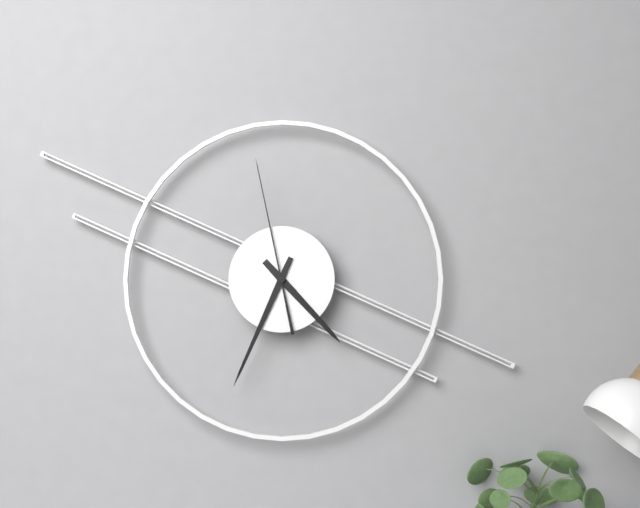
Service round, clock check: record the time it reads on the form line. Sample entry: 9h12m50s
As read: 4h34m58s
